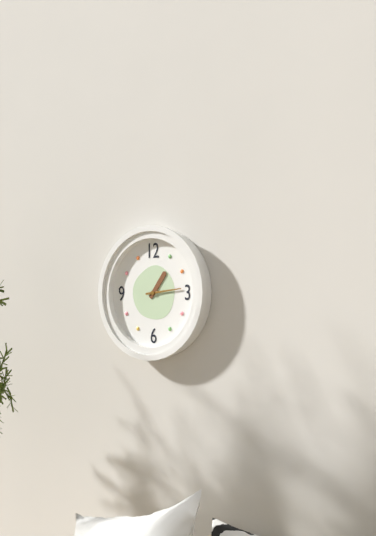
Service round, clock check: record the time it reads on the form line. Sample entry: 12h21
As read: 1h14
